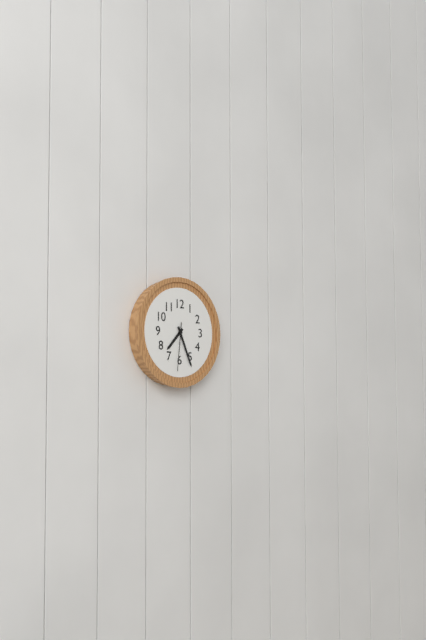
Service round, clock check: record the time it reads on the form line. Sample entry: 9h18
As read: 7h26
